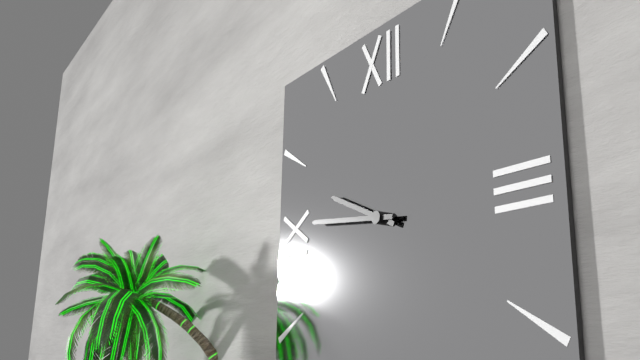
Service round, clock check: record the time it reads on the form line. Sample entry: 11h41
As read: 9h46
